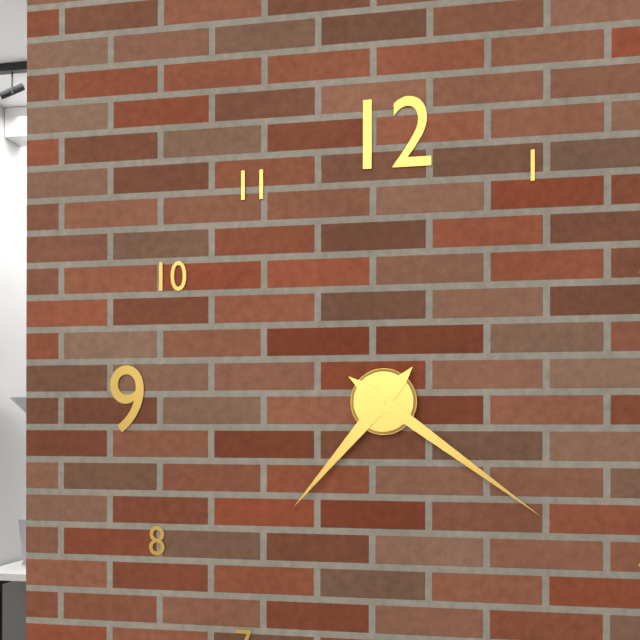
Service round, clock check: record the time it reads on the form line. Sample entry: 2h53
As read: 7h21
